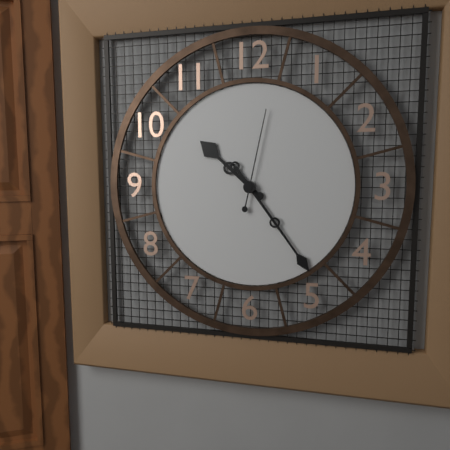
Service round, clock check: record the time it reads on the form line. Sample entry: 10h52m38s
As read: 10h24m02s
